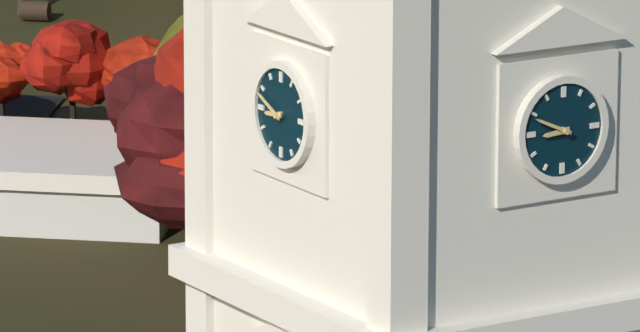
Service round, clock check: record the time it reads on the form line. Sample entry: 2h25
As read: 8h49
